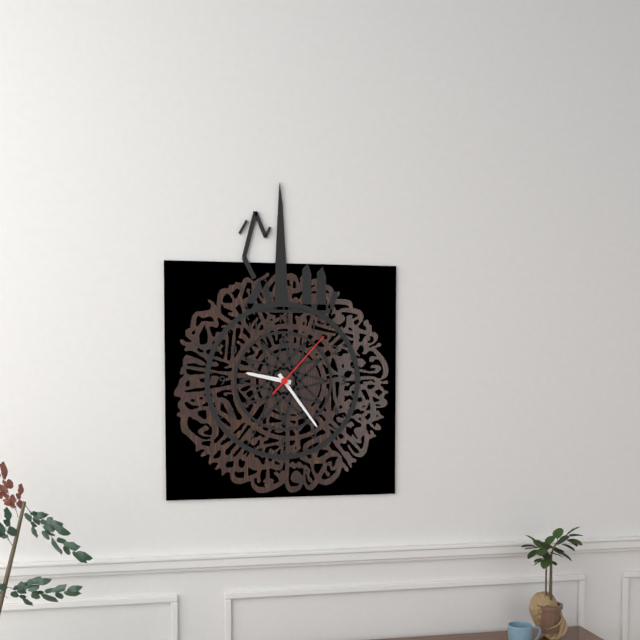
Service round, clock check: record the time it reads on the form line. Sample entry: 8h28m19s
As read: 9h24m07s
